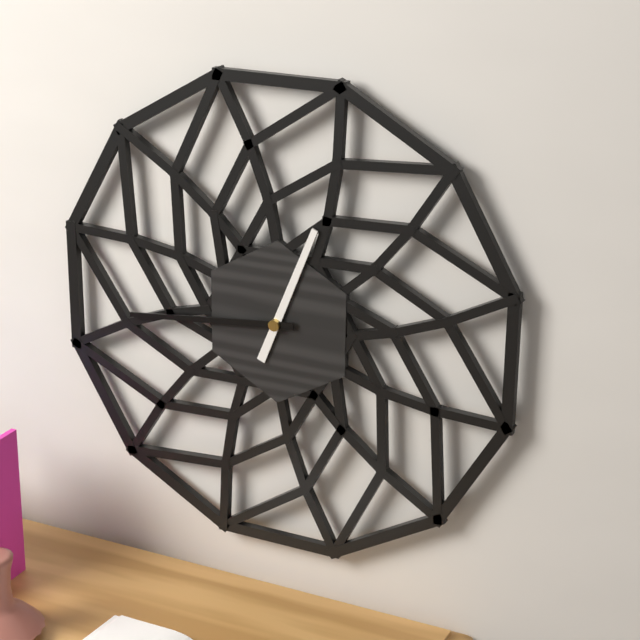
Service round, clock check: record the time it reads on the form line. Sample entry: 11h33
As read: 12h44
